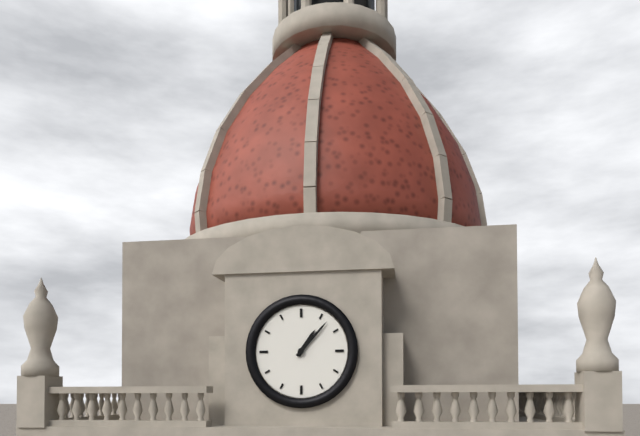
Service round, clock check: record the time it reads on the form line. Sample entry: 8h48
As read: 1h07
